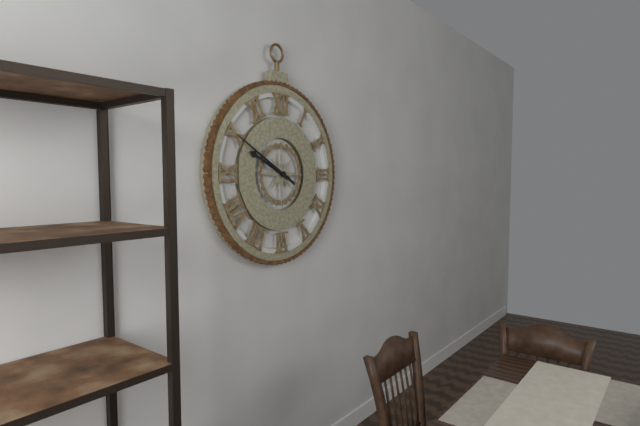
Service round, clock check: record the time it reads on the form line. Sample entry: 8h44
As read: 9h50
